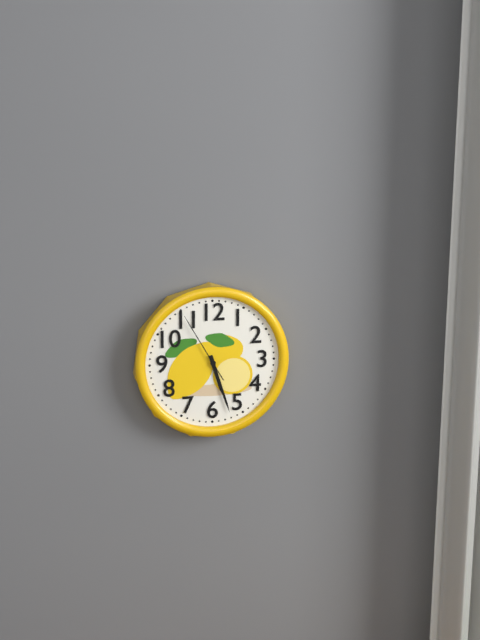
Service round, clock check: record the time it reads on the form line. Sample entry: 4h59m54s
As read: 5h27m55s
